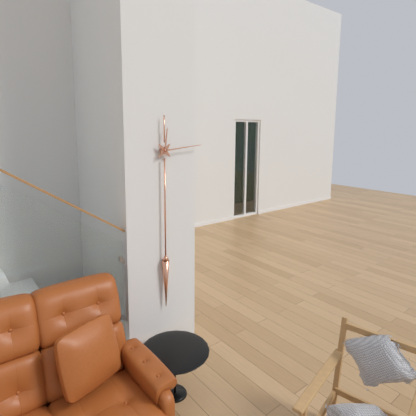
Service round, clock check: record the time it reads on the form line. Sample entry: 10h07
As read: 12h14
